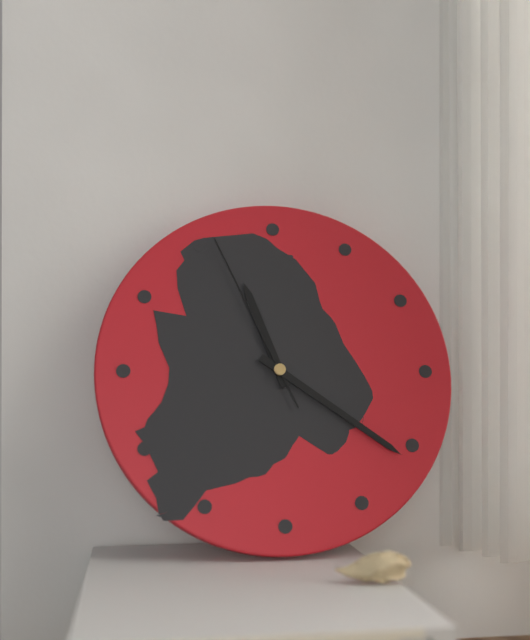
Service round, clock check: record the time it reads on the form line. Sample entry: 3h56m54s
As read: 11h21m56s
